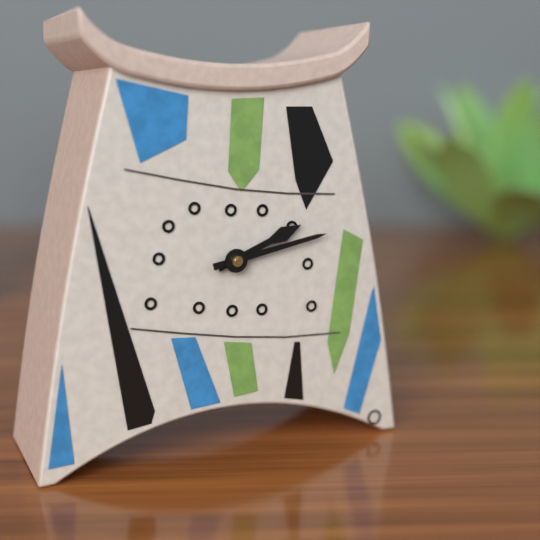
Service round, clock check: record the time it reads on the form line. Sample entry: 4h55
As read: 2h13
